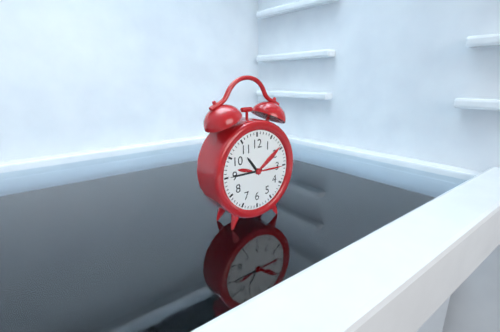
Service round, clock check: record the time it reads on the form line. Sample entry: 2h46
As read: 10h45
